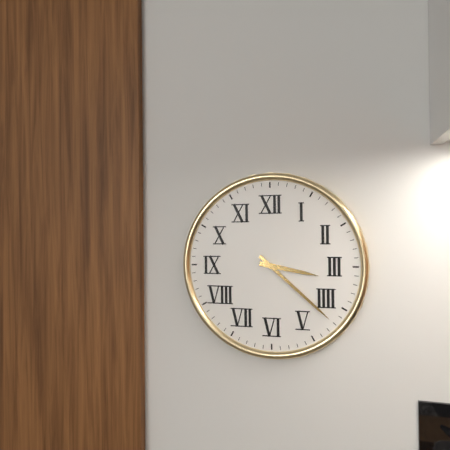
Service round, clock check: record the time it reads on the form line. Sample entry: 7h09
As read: 3h22
